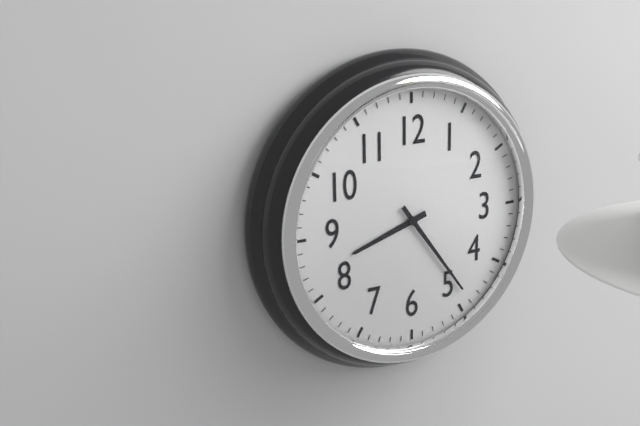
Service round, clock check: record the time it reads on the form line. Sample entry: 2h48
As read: 8h24
